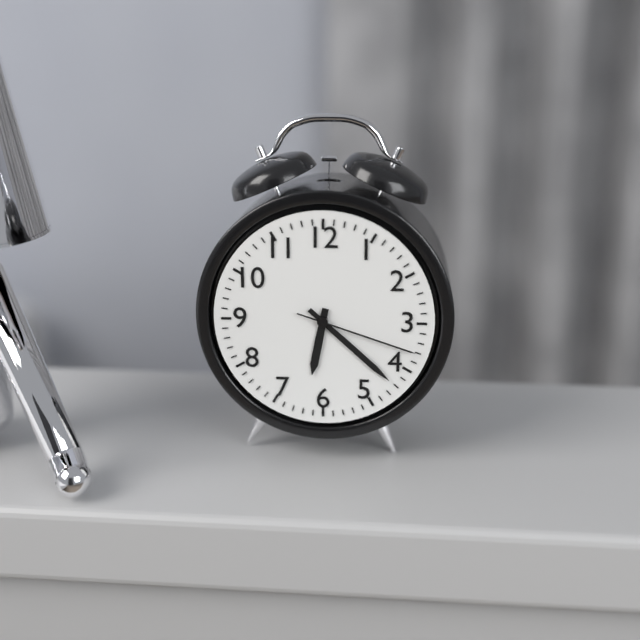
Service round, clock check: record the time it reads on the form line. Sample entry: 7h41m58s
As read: 6h22m18s
